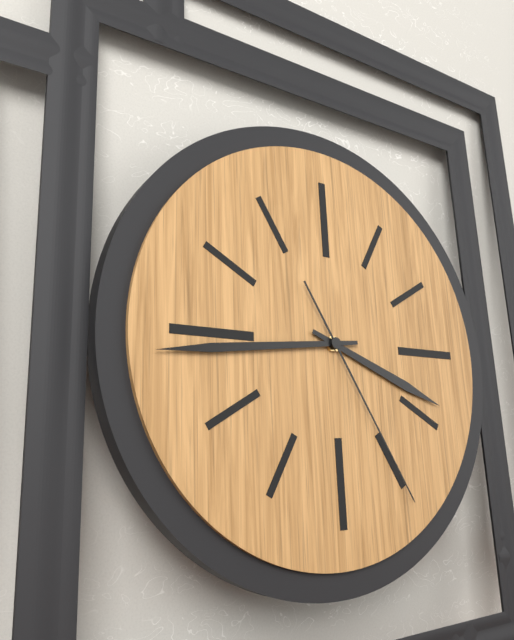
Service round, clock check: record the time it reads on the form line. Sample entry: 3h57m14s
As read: 3h44m25s
